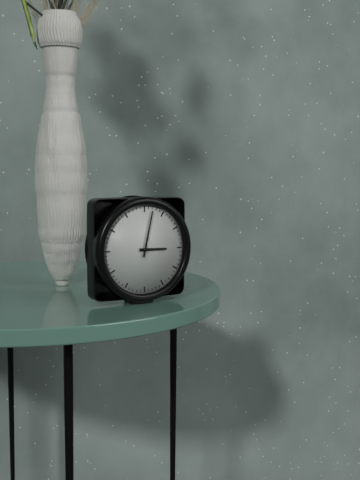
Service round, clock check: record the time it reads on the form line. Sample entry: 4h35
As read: 3h02
